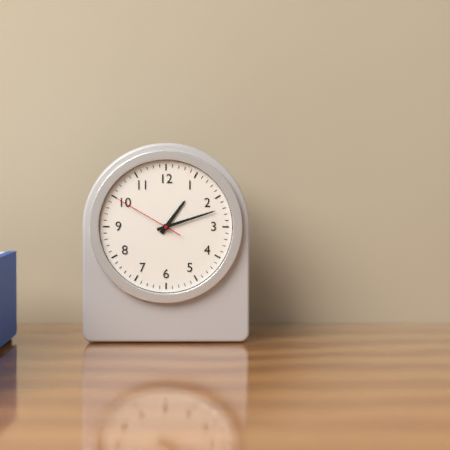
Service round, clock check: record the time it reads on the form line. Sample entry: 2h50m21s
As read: 1h12m50s
